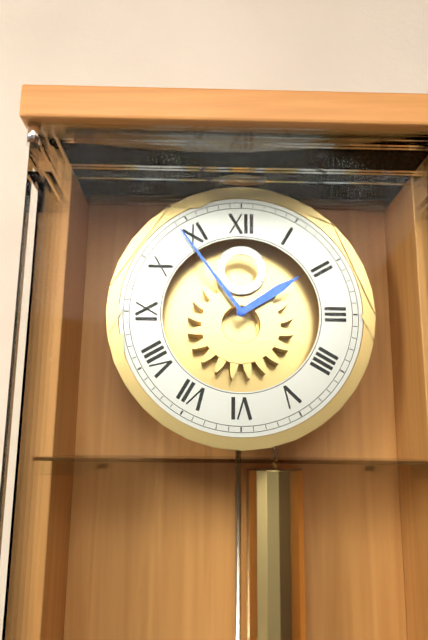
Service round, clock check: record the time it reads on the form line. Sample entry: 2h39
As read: 1h54
